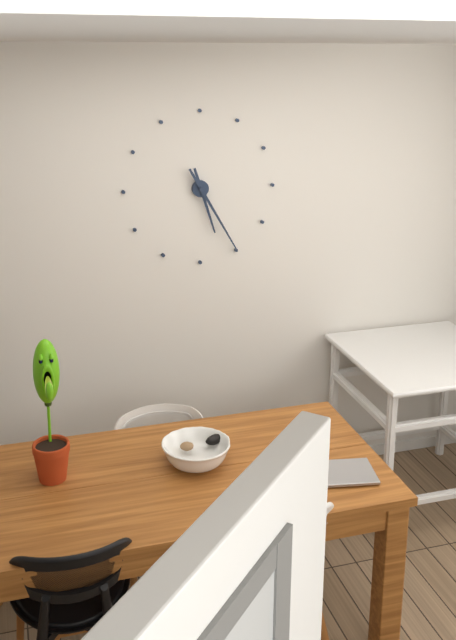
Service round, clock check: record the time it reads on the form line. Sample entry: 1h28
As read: 5h25
